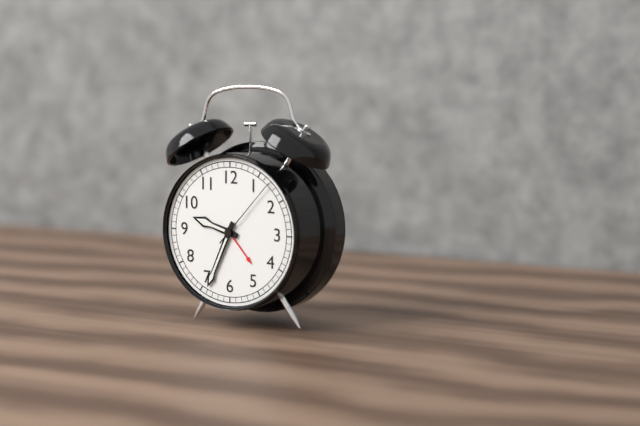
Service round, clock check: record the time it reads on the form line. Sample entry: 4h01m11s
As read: 9h34m07s
